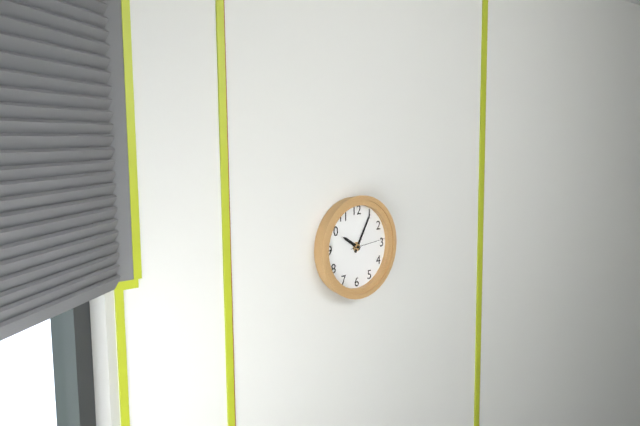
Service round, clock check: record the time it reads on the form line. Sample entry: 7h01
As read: 10h05
